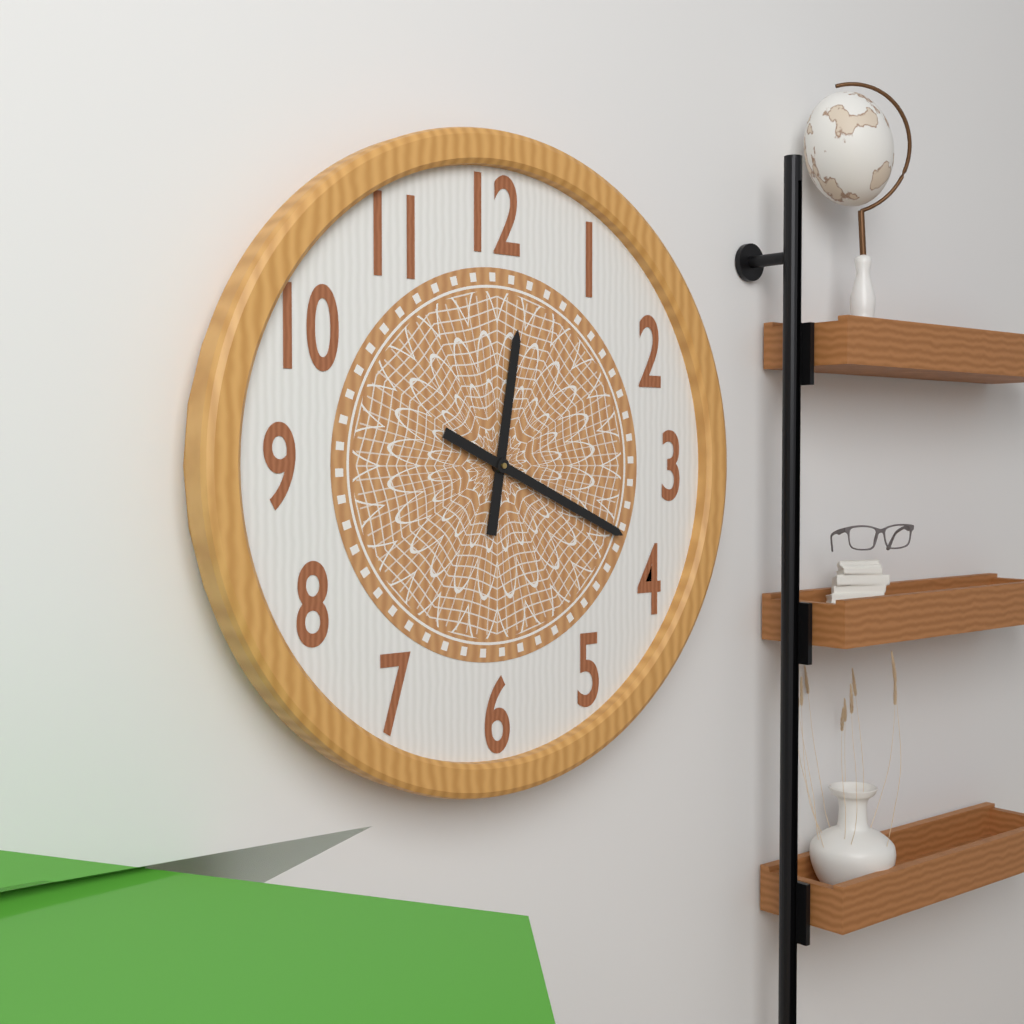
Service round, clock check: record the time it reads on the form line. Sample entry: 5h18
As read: 12h19
